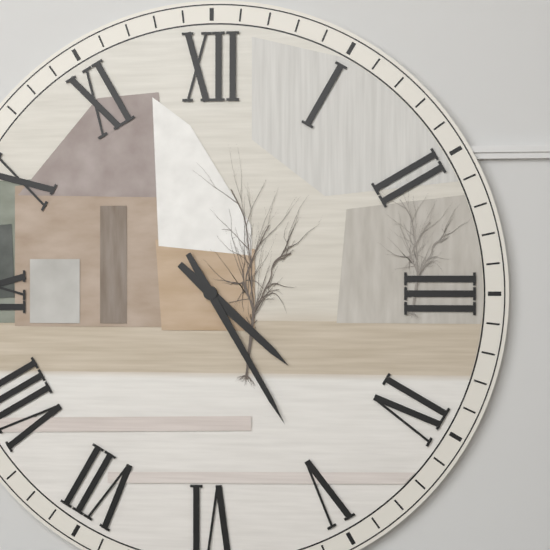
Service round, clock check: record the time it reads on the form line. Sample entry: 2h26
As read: 4h25
